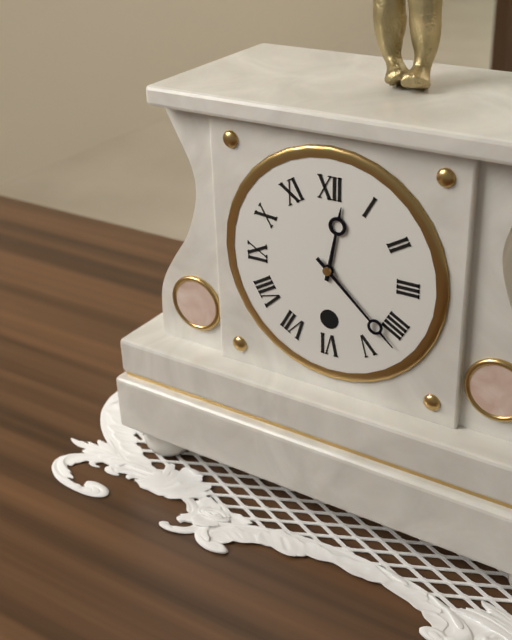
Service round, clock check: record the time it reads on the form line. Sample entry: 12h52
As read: 12h22
